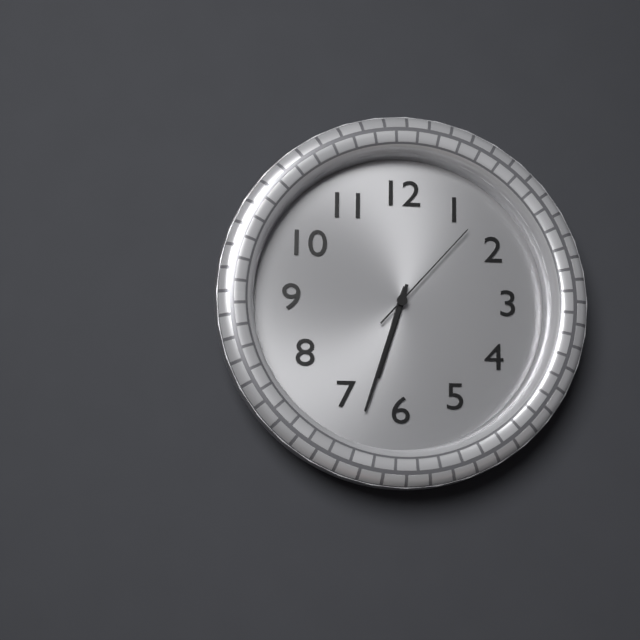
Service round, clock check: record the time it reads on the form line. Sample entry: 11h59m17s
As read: 6h33m07s
